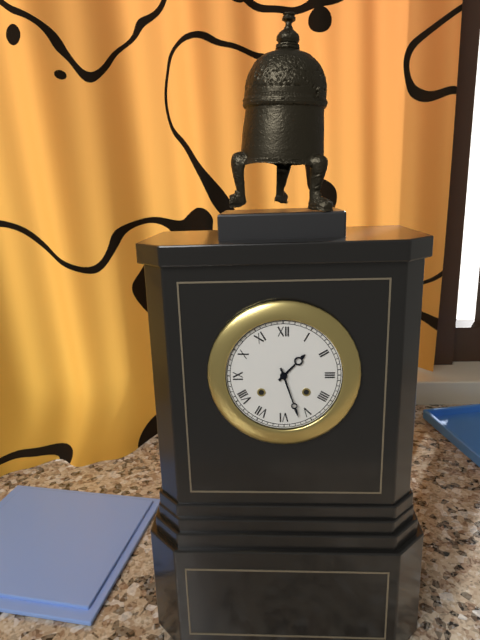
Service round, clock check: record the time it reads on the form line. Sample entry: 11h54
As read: 1h27
